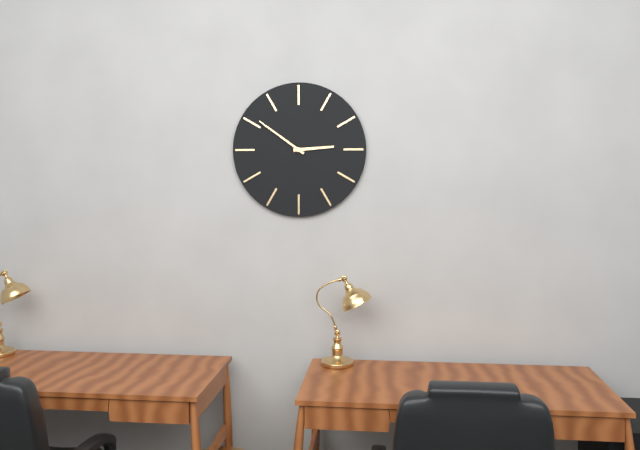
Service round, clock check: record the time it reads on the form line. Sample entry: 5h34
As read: 2h51
